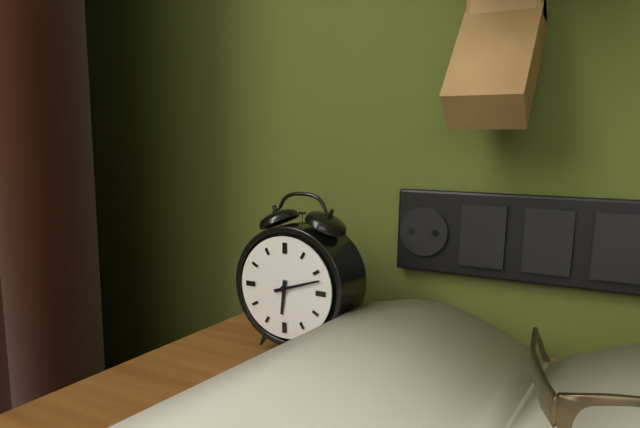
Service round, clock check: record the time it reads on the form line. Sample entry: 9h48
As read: 6h12
